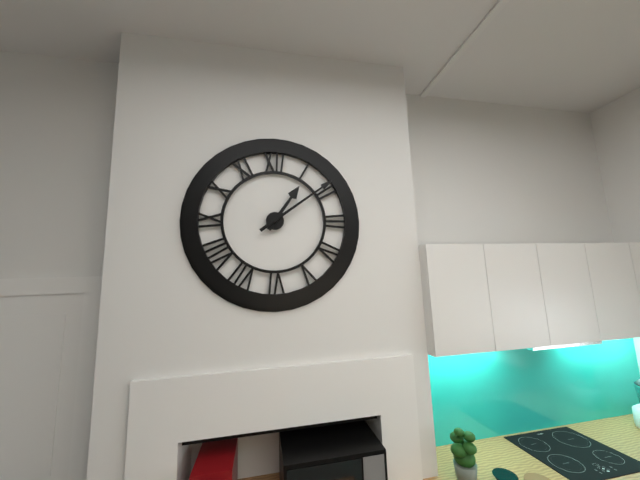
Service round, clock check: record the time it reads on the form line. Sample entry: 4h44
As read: 1h09
